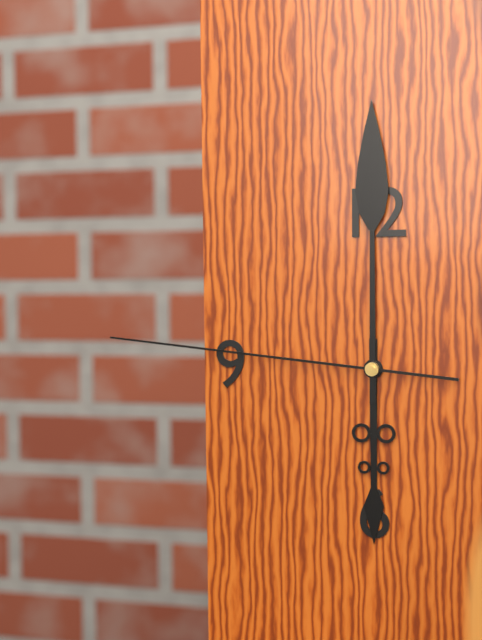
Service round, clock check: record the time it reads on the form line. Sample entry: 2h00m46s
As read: 6h00m46s
